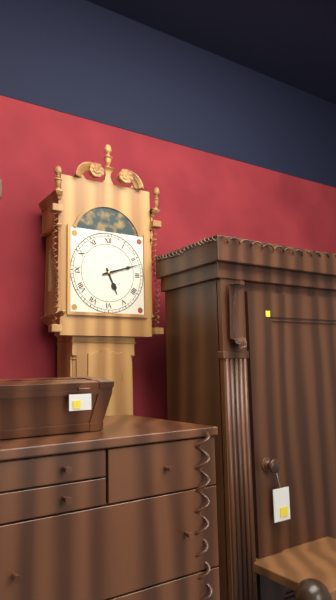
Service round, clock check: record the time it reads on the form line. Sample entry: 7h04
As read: 5h12
